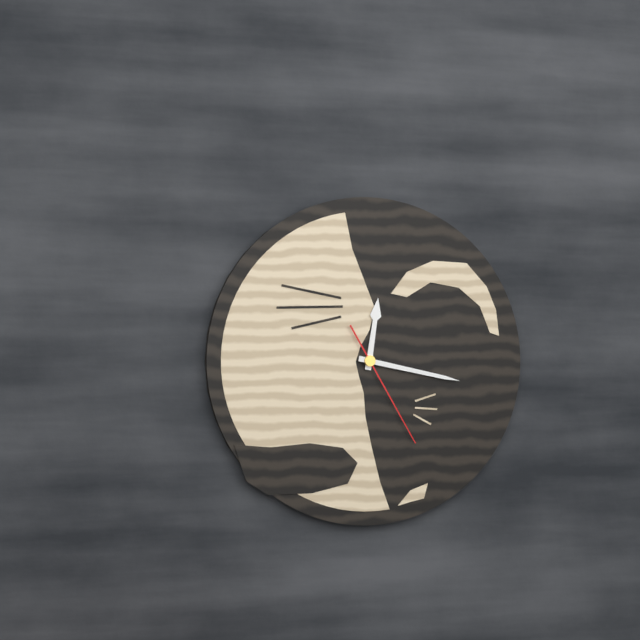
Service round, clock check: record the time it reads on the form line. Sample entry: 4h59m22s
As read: 12h17m25s
